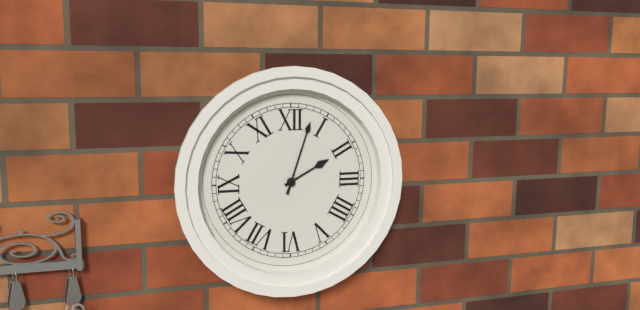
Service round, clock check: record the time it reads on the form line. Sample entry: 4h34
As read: 2h03
